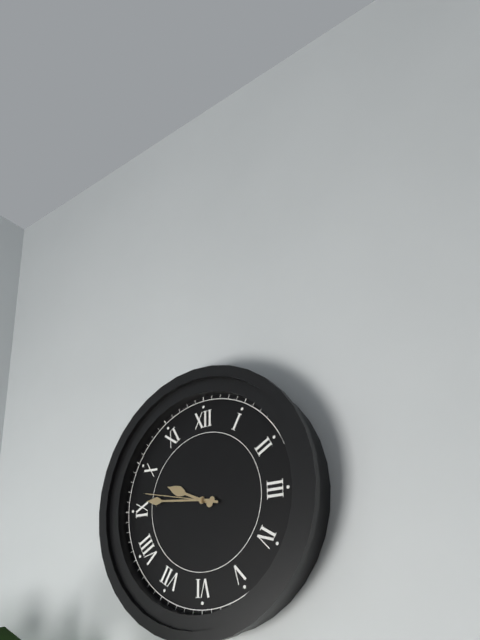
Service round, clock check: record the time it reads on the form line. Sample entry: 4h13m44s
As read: 9h46m47s
